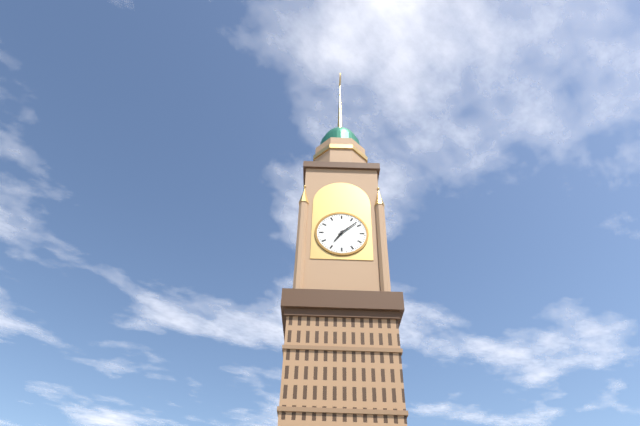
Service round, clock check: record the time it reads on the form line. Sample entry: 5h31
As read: 7h08
